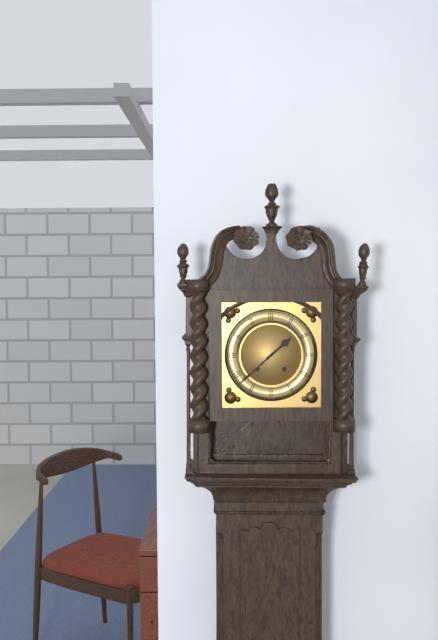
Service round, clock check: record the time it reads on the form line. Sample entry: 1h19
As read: 1h38
